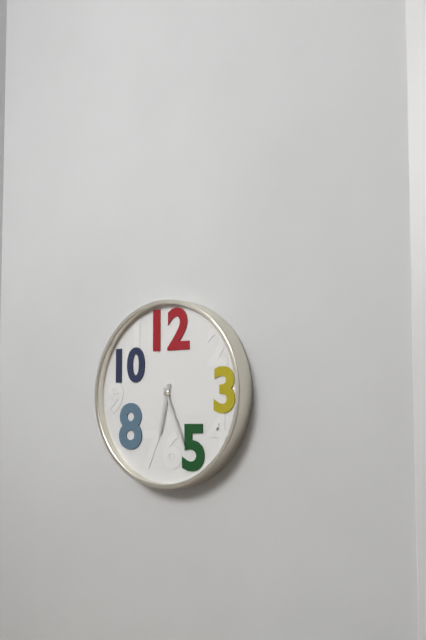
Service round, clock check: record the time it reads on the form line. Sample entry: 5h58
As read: 6h26
